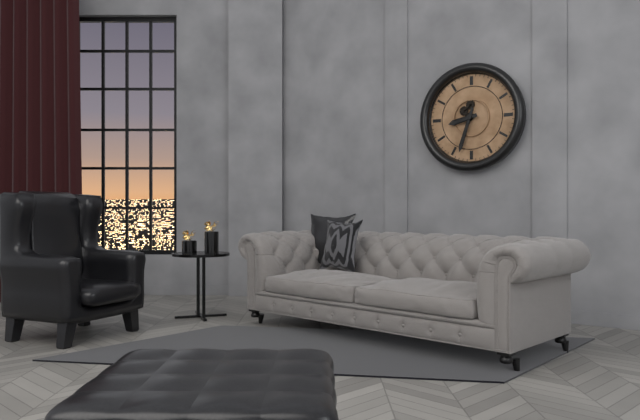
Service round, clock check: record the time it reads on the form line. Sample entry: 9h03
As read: 8h33
